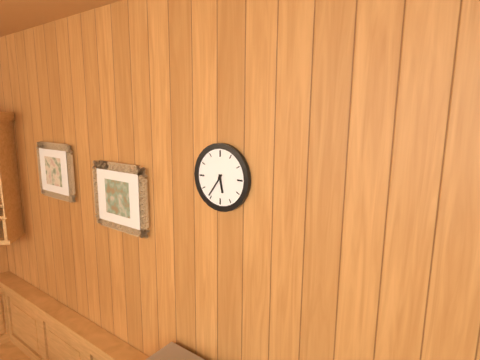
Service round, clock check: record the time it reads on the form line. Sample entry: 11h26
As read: 5h36
